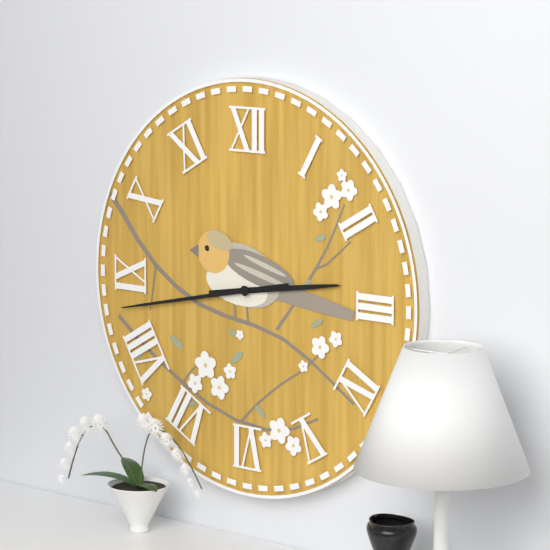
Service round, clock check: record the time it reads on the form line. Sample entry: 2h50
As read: 2h43
